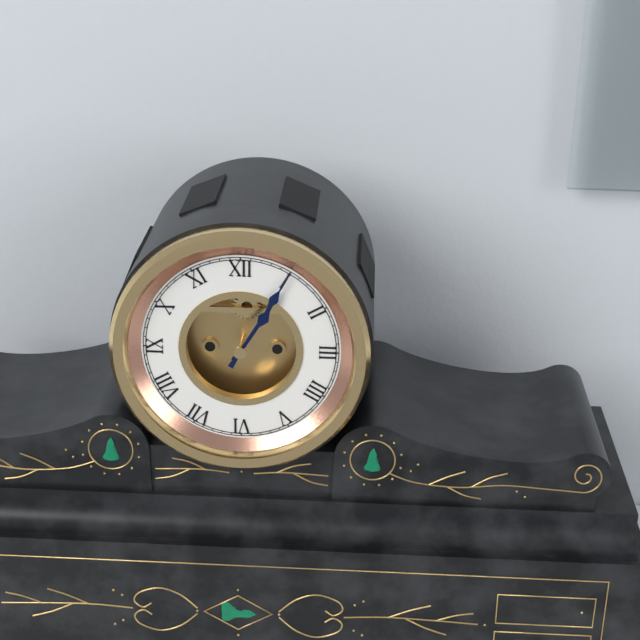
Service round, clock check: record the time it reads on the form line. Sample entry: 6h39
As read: 1h05
